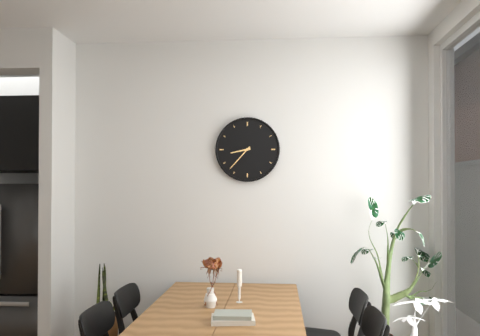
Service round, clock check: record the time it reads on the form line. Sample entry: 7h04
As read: 8h37
